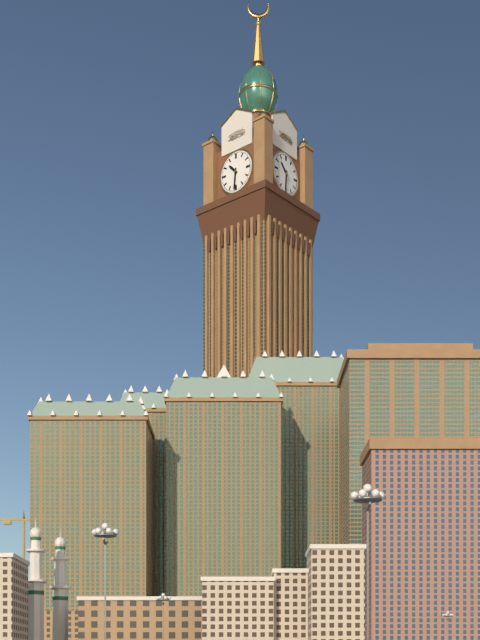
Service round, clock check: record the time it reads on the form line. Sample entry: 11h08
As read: 10h31
